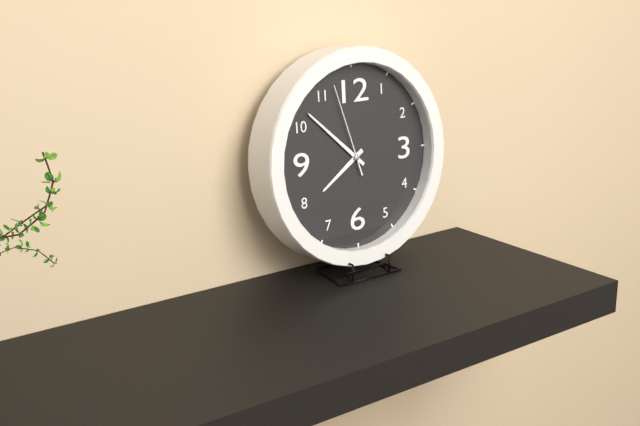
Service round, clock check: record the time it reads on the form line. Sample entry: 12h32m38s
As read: 7h52m57s
